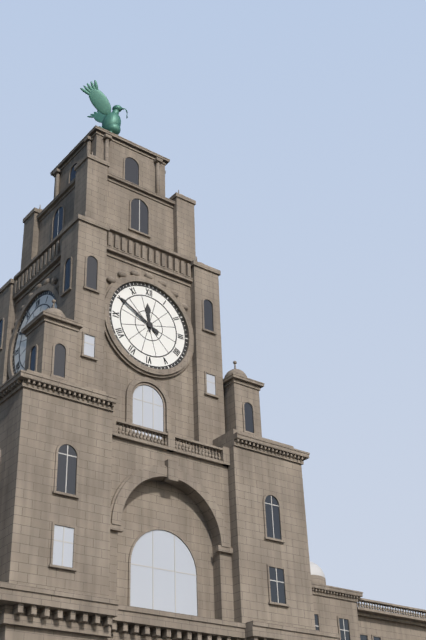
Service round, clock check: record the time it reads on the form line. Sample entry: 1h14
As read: 11h50
